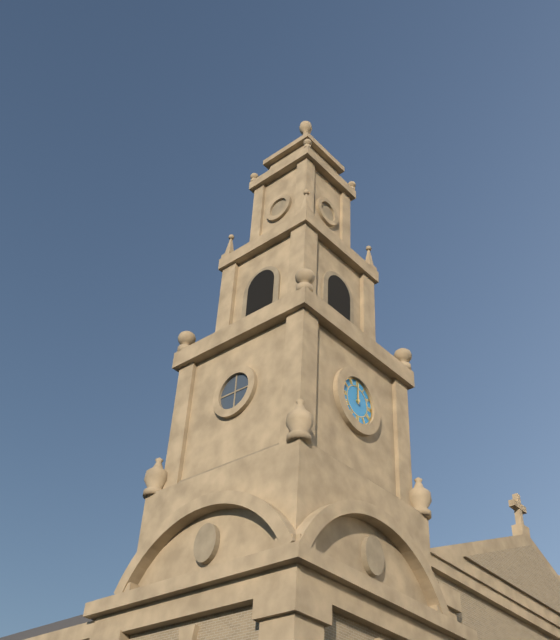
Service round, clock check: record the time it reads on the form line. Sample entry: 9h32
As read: 12h00
